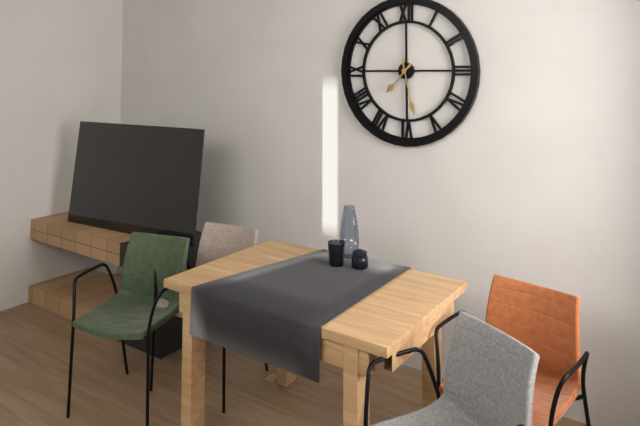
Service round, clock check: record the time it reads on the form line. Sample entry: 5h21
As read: 7h28
